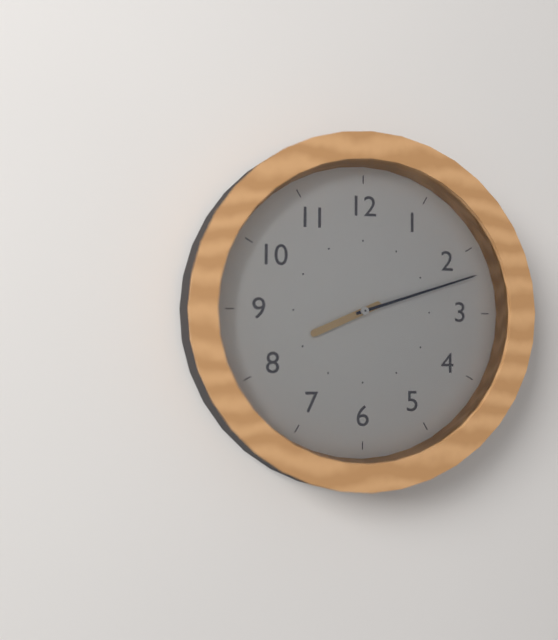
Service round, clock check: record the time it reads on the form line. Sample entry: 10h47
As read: 8h12
